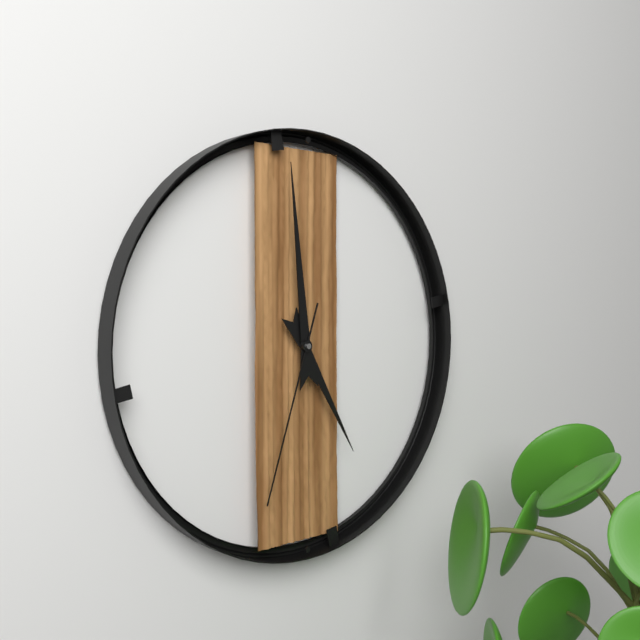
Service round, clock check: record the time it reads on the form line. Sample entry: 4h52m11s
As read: 4h59m33s
